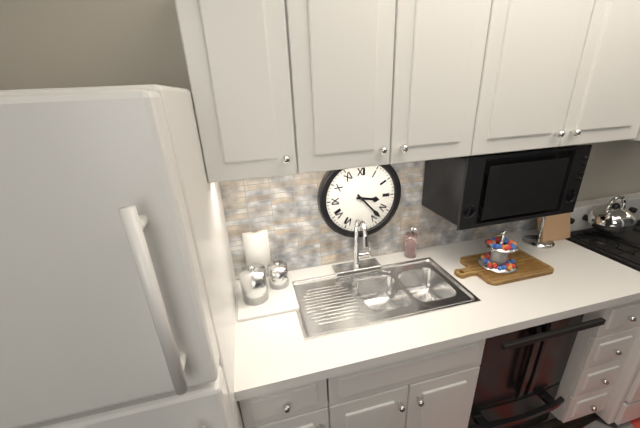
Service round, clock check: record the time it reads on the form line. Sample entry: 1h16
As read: 3h23
